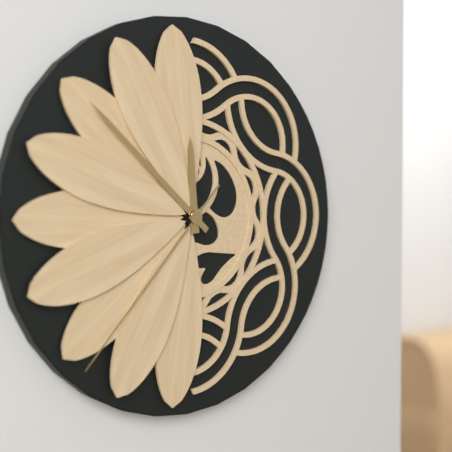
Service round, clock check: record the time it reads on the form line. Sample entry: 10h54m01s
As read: 11h52m37s
